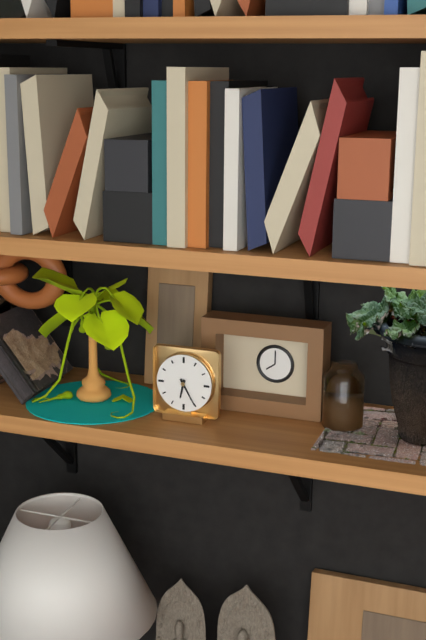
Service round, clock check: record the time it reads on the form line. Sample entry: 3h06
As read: 6h25
